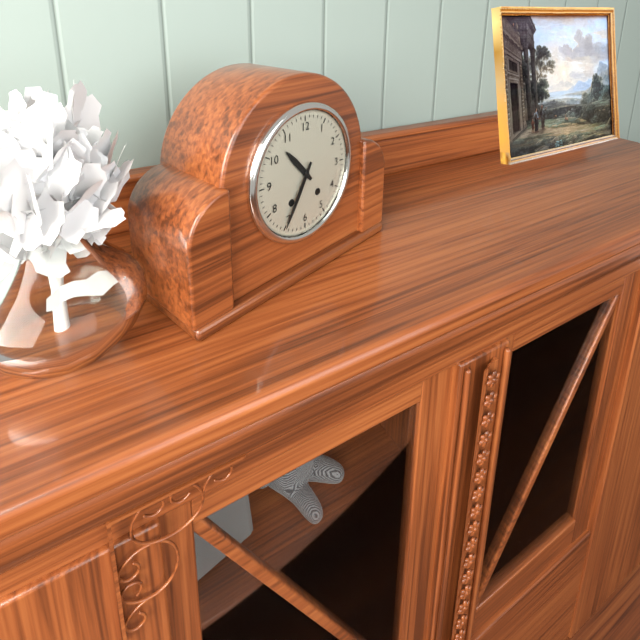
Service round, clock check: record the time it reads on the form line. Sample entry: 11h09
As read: 10h35
